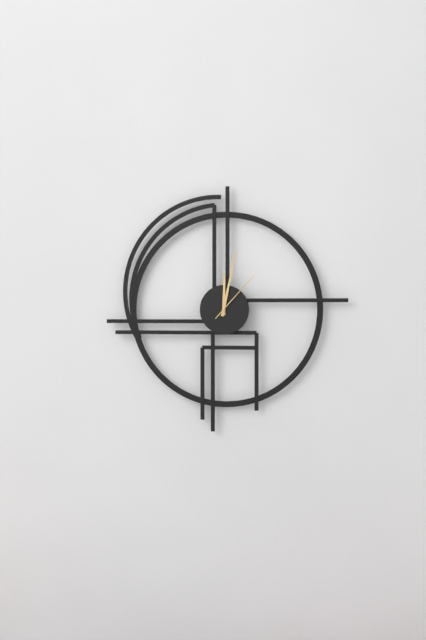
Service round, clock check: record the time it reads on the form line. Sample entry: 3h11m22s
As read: 12h02m07s
